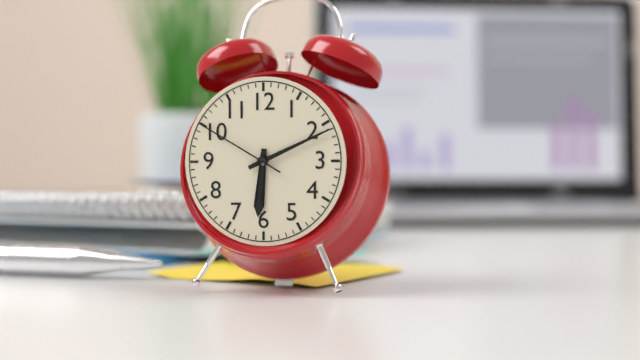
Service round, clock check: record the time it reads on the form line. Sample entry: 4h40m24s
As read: 6h11m50s
